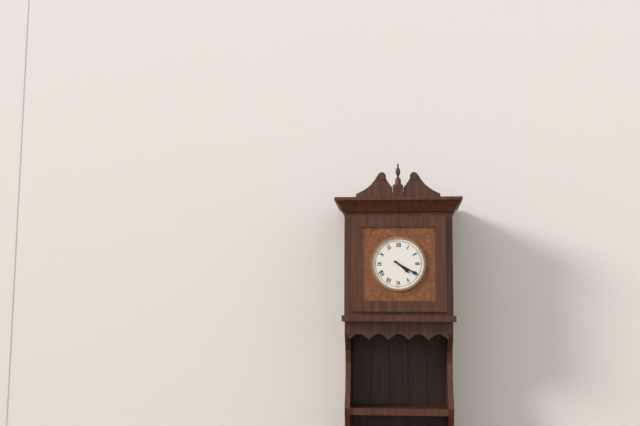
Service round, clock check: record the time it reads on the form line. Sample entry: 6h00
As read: 4h20
